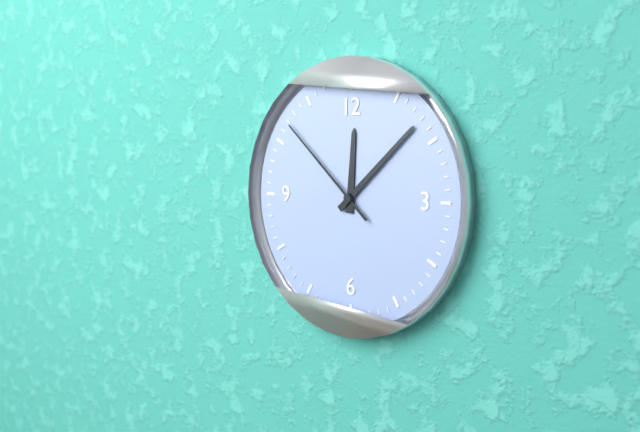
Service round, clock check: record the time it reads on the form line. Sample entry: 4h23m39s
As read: 12h08m52s
